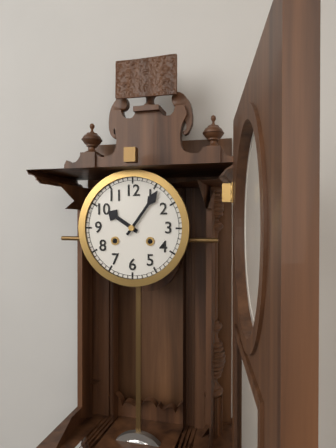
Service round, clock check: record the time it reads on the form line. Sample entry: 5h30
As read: 10h06
